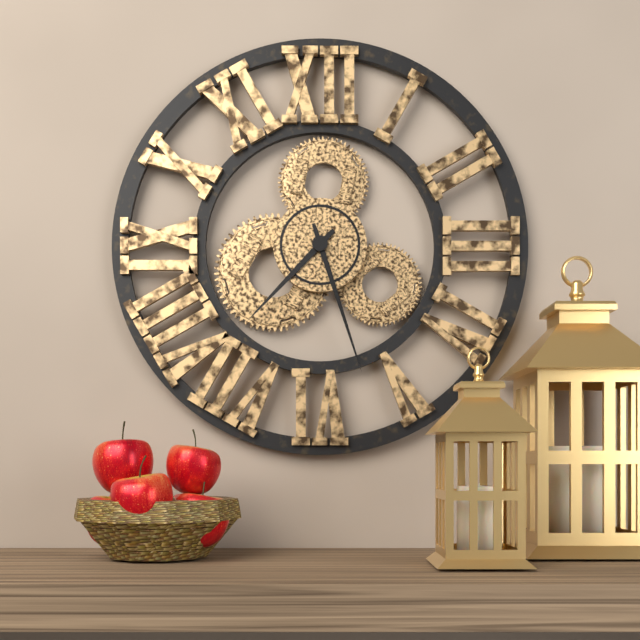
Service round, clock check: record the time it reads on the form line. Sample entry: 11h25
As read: 7h27
